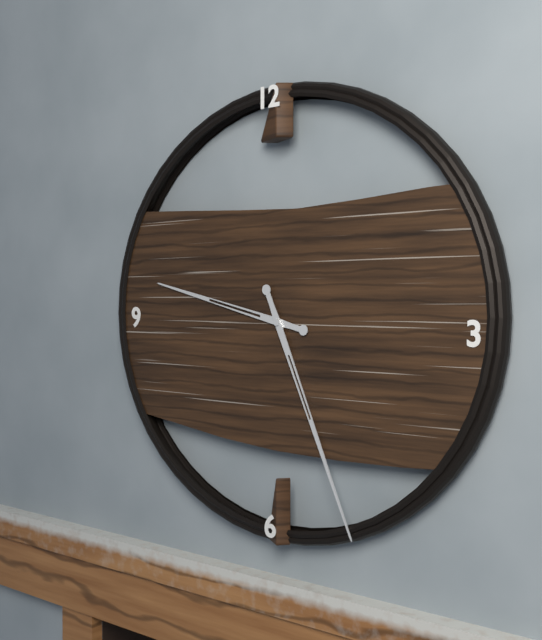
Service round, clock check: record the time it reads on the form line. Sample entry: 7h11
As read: 9h26
